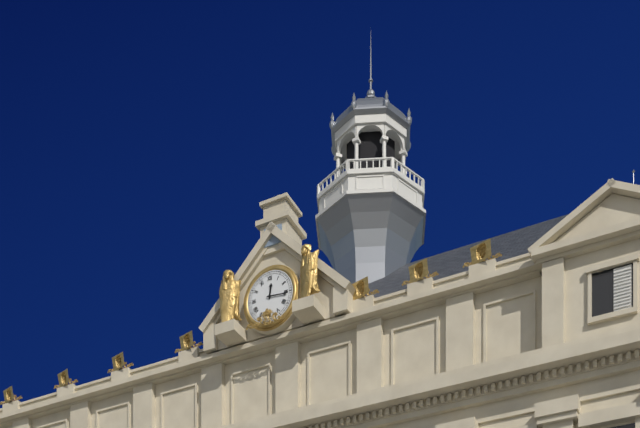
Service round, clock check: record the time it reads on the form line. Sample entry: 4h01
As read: 12h16
